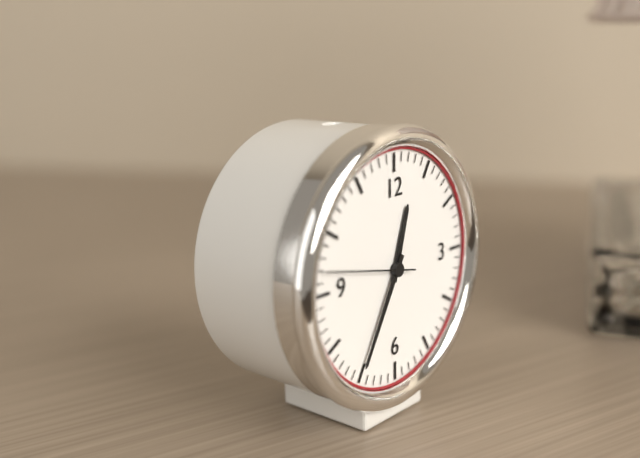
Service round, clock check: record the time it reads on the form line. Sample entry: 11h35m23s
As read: 12h35m47s
